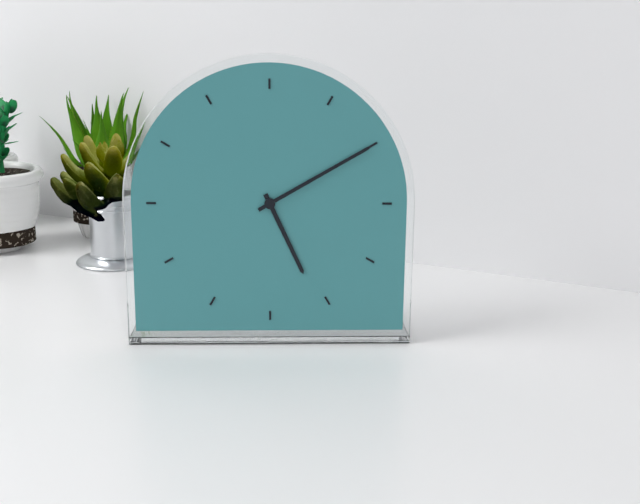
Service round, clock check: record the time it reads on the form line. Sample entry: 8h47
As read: 5h10
